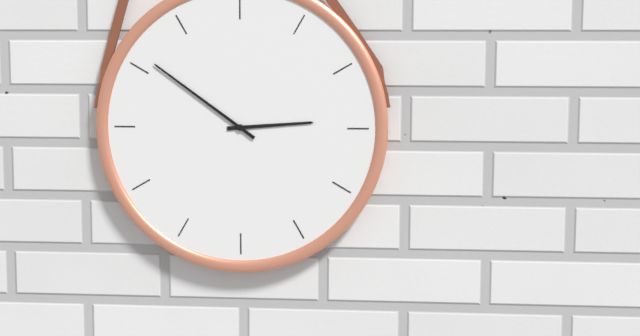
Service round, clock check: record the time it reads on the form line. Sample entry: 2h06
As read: 2h51
